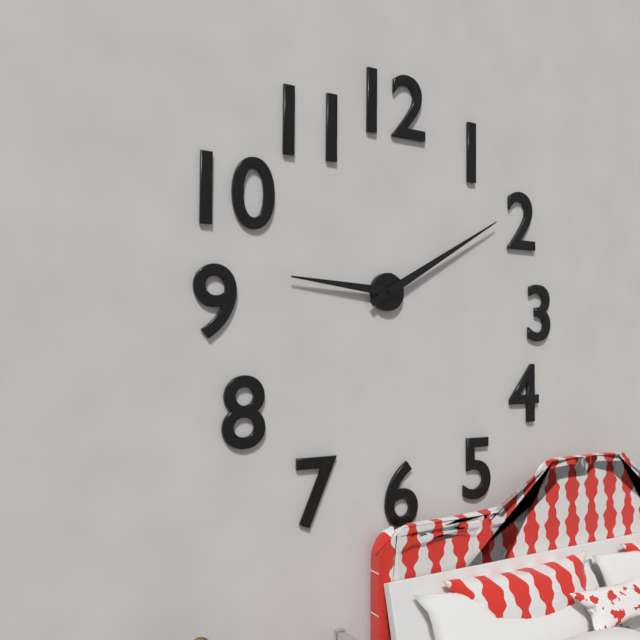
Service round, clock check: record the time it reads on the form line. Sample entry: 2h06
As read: 9h10
